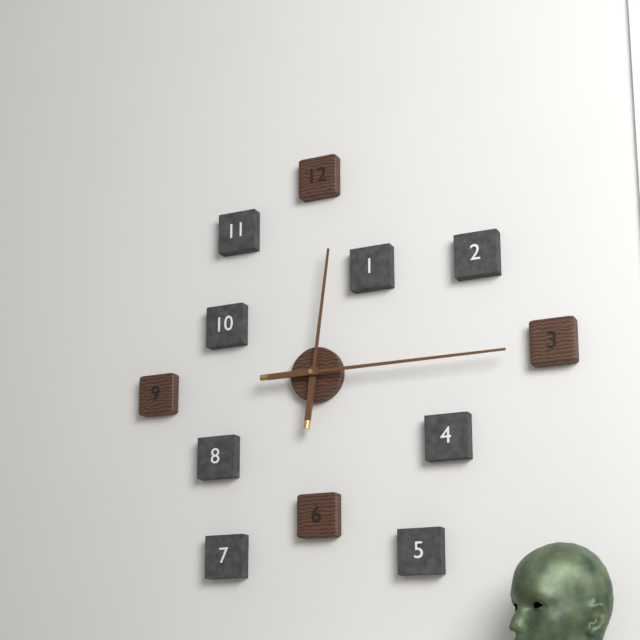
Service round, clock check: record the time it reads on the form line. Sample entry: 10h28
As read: 12h15
